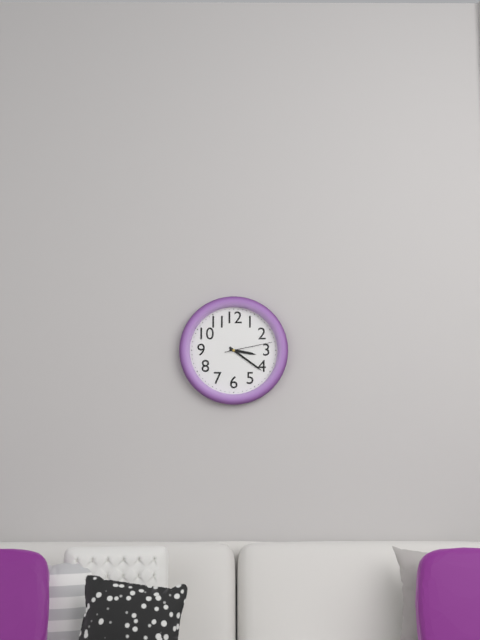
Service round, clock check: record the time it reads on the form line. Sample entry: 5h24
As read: 3h21
